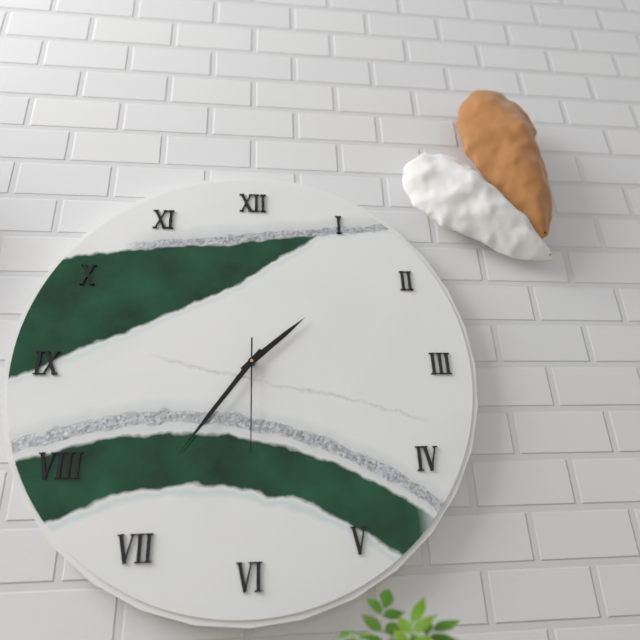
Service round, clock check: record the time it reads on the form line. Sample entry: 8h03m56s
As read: 1h36m30s
